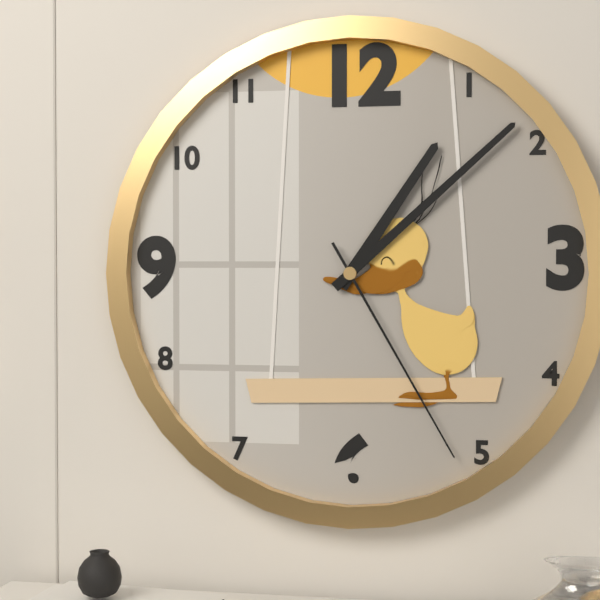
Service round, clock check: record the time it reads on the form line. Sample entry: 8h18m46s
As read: 1h08m25s
